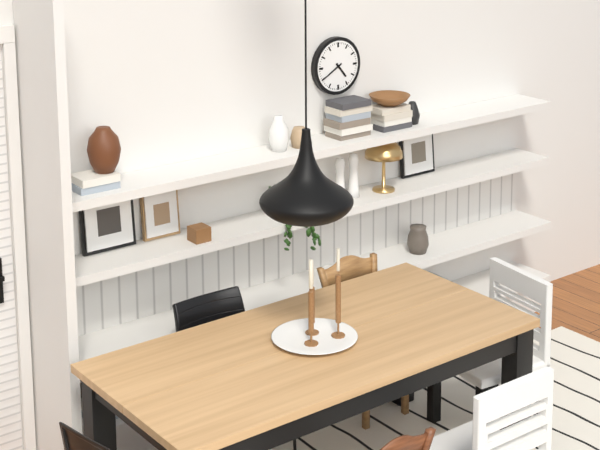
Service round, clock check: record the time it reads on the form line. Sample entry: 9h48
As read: 4h40
